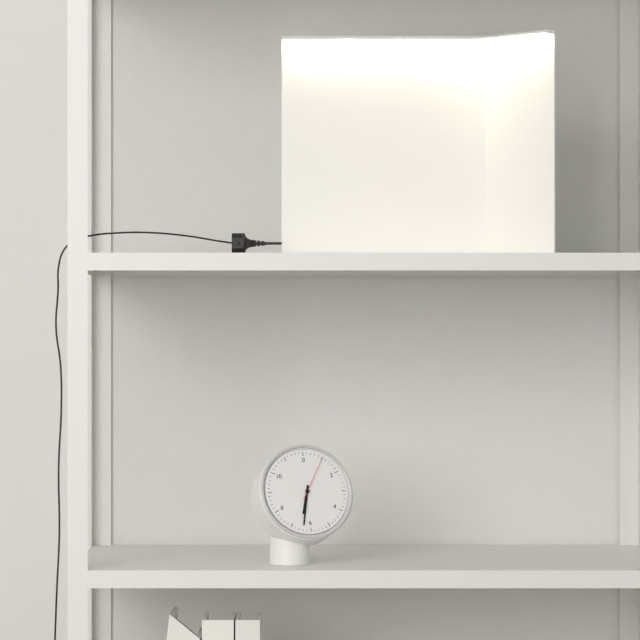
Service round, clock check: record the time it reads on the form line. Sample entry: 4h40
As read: 6h32
